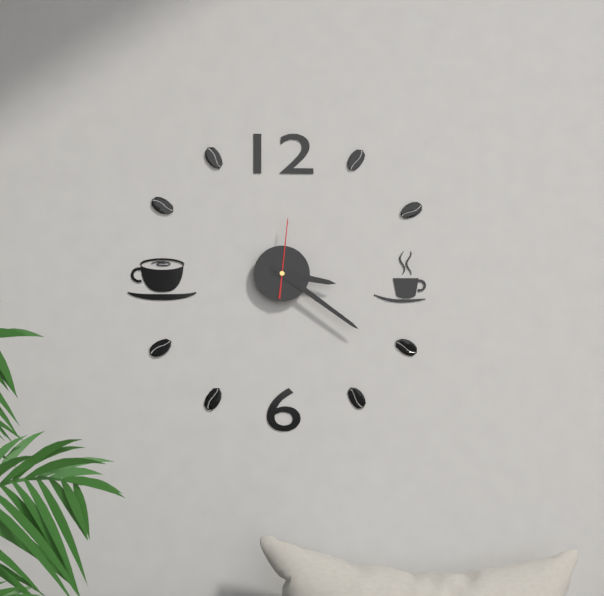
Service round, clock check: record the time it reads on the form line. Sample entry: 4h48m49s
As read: 3h21m01s
